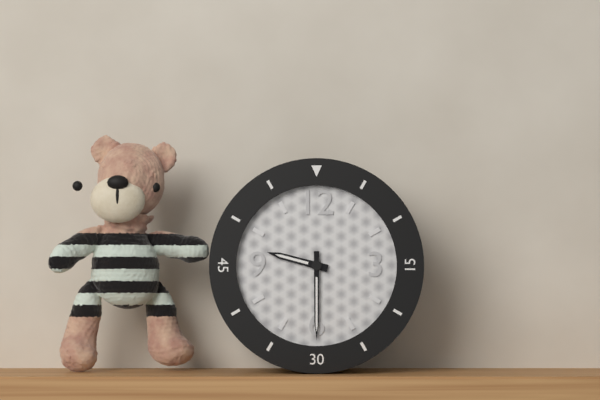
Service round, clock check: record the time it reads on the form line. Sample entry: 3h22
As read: 9h30
